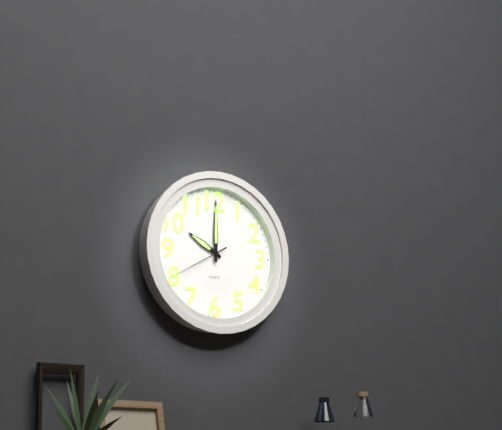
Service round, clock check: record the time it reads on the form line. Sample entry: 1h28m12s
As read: 10h00m40s
